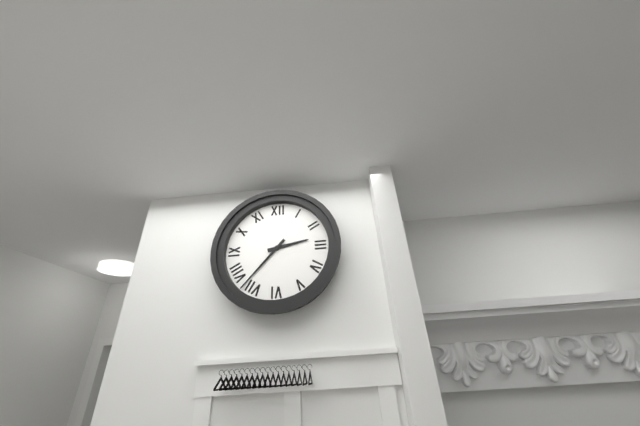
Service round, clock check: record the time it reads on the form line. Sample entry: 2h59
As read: 2h37
